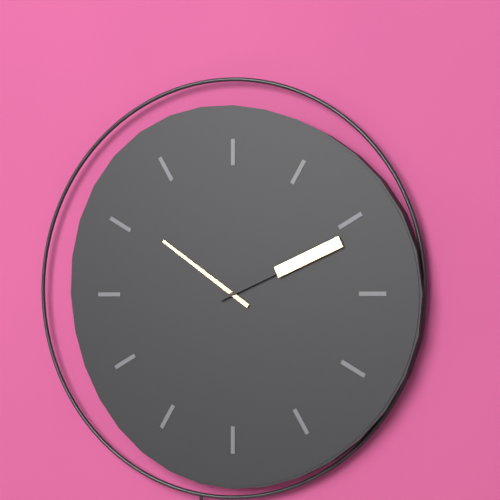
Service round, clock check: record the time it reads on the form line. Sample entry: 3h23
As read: 10h11
